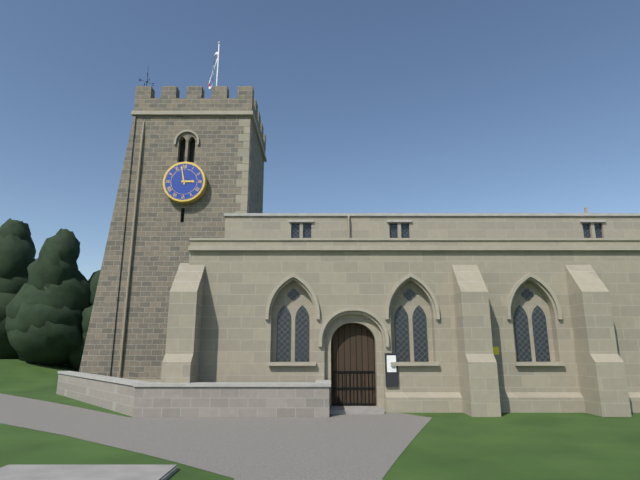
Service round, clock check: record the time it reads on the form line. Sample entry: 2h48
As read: 2h58
